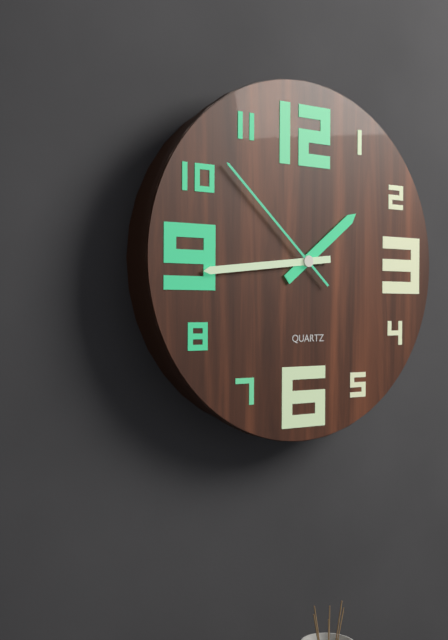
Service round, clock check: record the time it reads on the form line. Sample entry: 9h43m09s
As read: 1h44m52s
